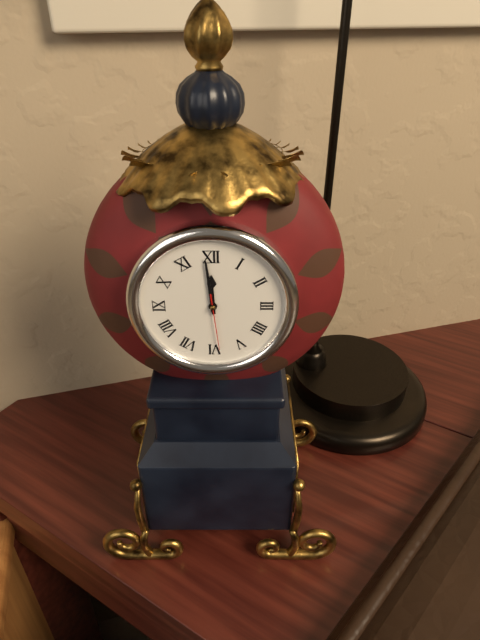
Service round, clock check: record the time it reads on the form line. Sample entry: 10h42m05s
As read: 11h59m29s
